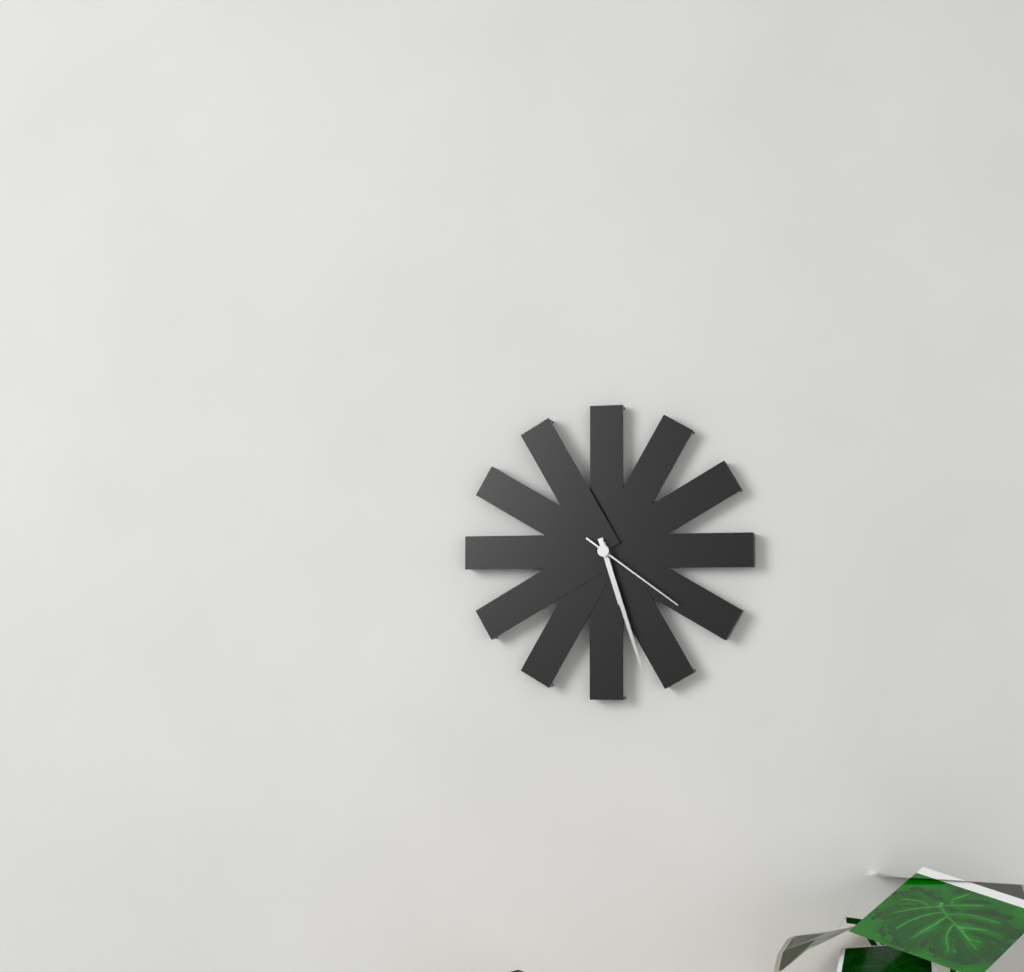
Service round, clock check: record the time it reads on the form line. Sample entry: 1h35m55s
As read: 5h27m21s
